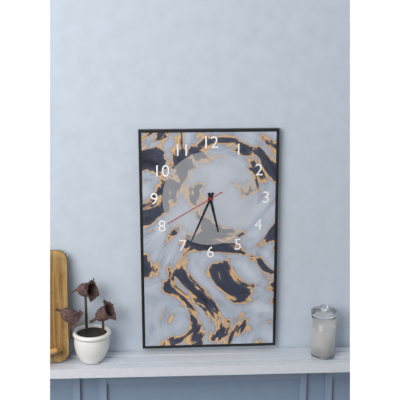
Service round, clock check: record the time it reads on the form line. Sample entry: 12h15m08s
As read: 5h34m40s
